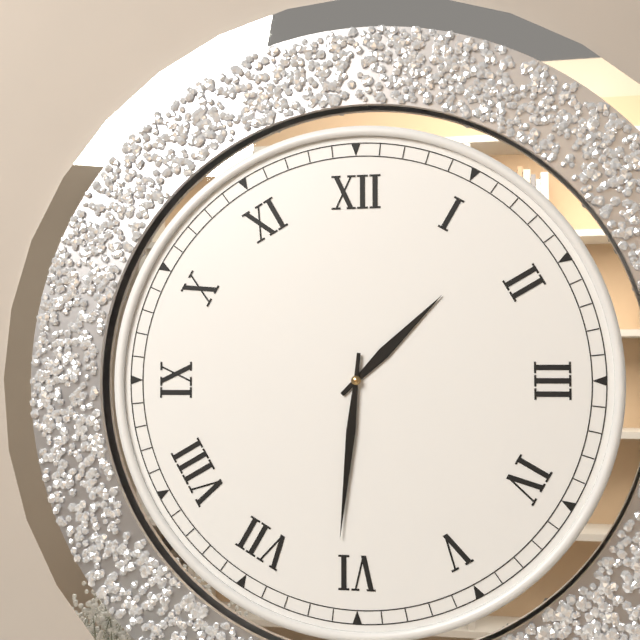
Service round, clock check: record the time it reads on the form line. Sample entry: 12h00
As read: 1h31
